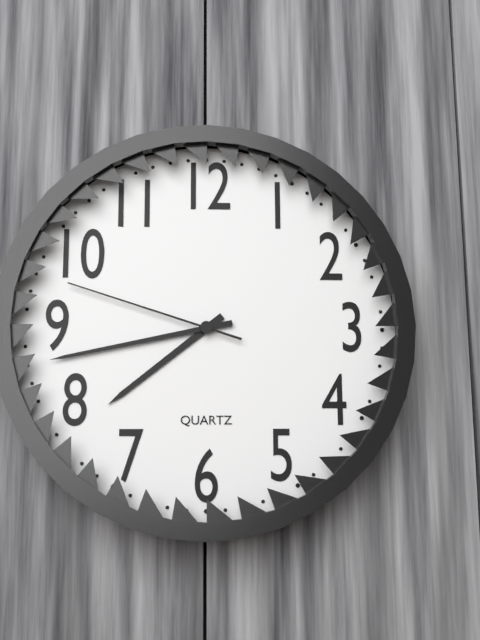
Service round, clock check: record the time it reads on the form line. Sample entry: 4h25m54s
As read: 7h43m48s
